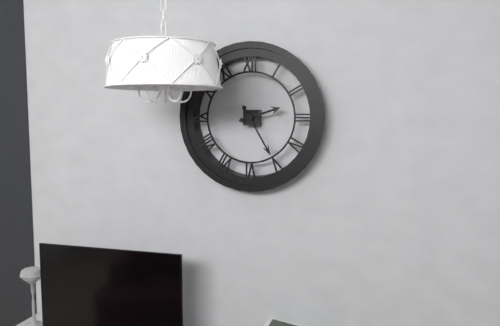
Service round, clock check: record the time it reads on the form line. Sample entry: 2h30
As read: 2h25
